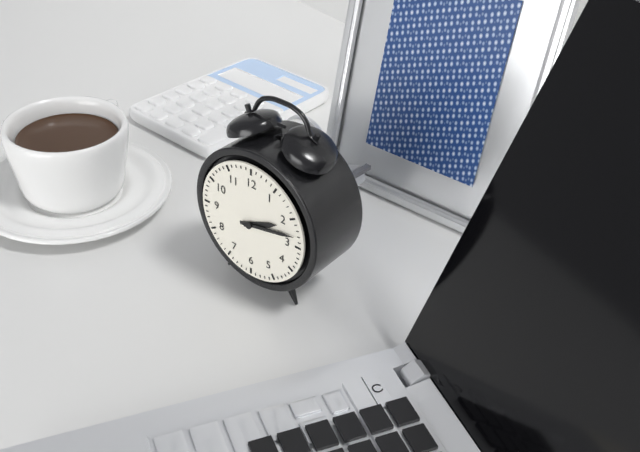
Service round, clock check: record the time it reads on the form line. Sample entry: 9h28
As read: 2h13
